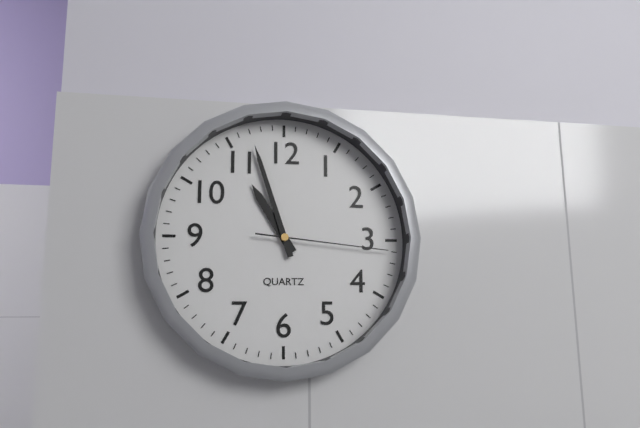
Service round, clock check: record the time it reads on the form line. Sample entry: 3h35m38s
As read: 10h57m16s
